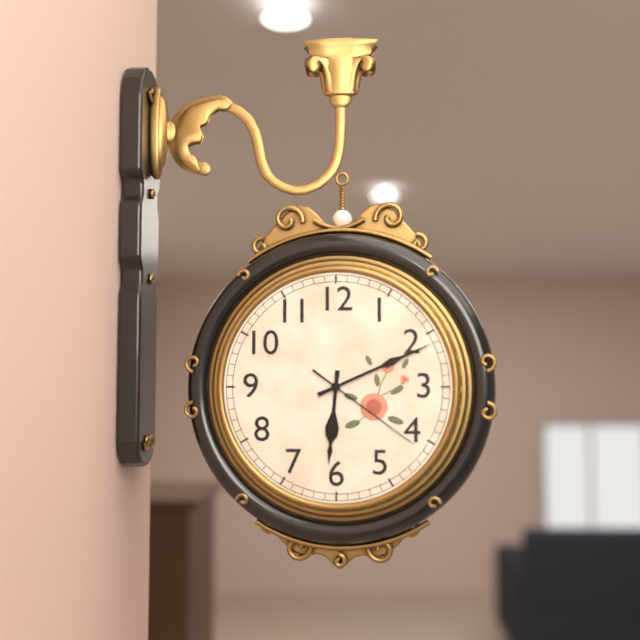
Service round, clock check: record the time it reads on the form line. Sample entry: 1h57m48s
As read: 6h11m21s
